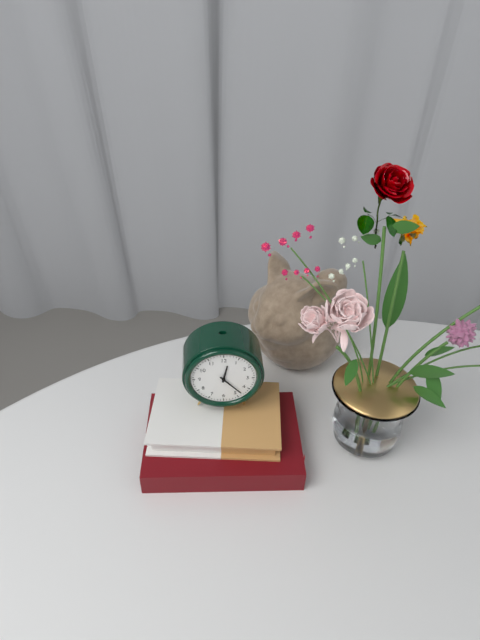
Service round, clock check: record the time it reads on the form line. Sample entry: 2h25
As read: 12h23
